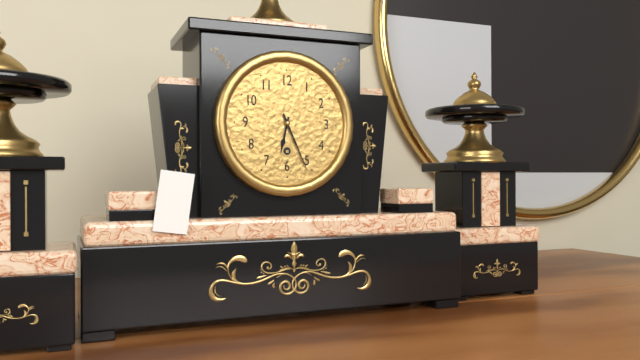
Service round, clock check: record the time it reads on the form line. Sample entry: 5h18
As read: 6h26
